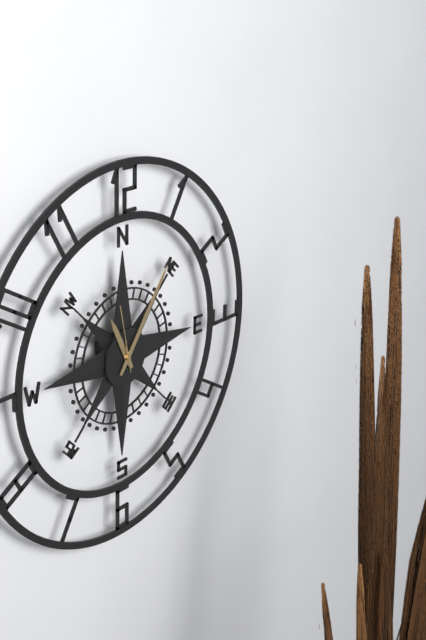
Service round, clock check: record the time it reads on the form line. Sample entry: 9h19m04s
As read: 11h06m58s
